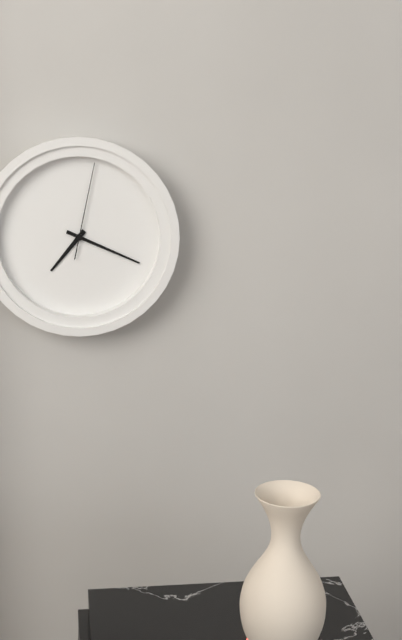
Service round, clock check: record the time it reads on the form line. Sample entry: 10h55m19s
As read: 7h19m02s
